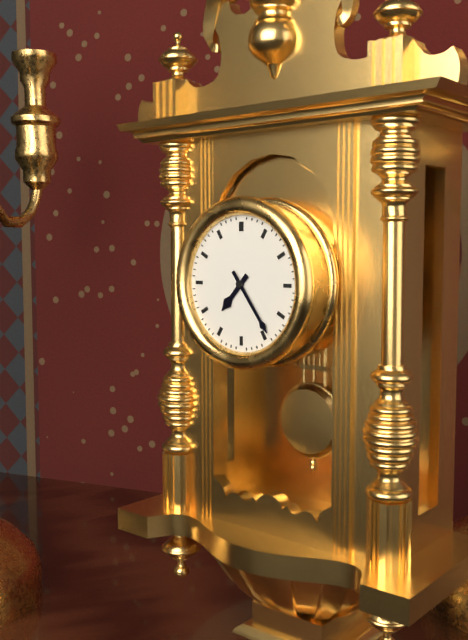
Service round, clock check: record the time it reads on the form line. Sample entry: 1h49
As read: 7h24
